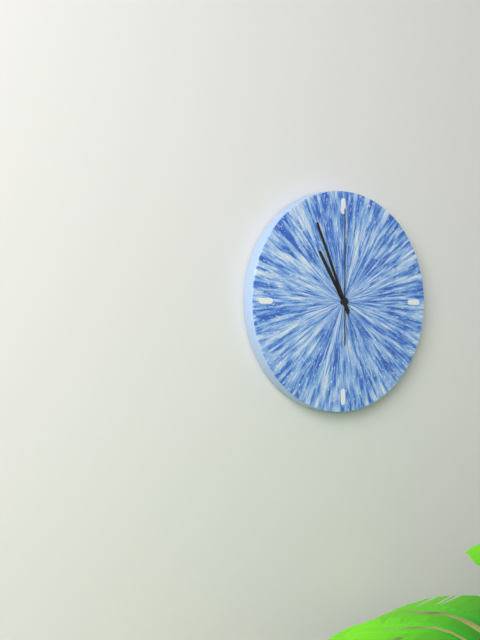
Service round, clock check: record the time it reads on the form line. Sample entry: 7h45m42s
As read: 10h56m00s
